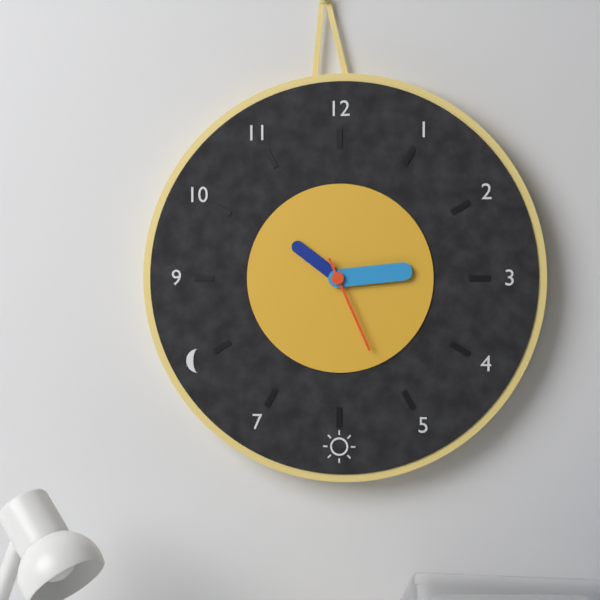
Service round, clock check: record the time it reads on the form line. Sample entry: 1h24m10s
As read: 10h14m26s
